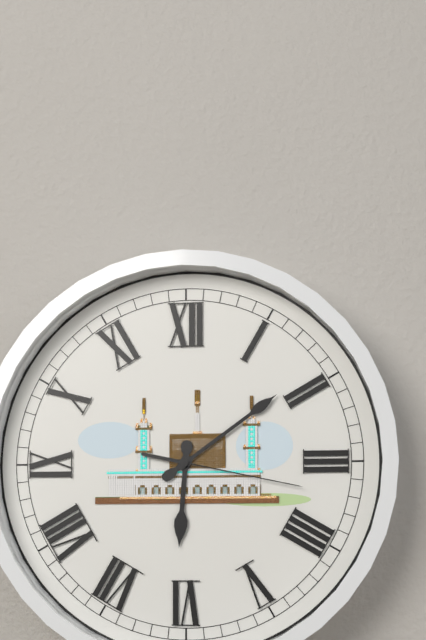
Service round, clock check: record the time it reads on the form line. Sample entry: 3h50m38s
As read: 6h09m17s
